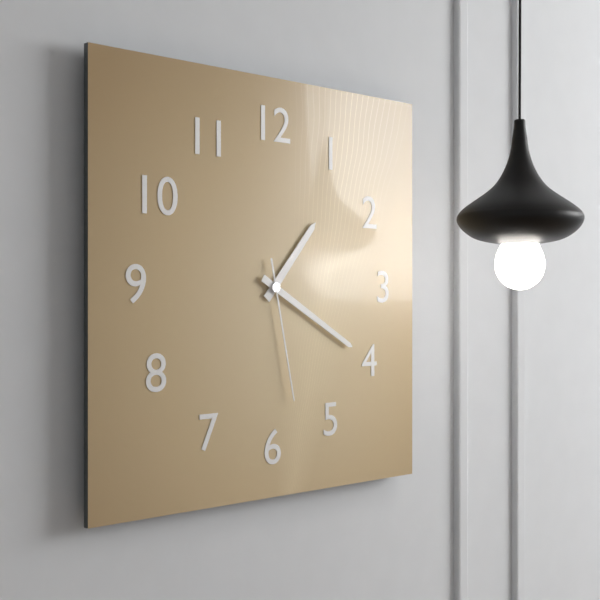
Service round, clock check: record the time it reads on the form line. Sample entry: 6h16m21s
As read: 1h20m28s
